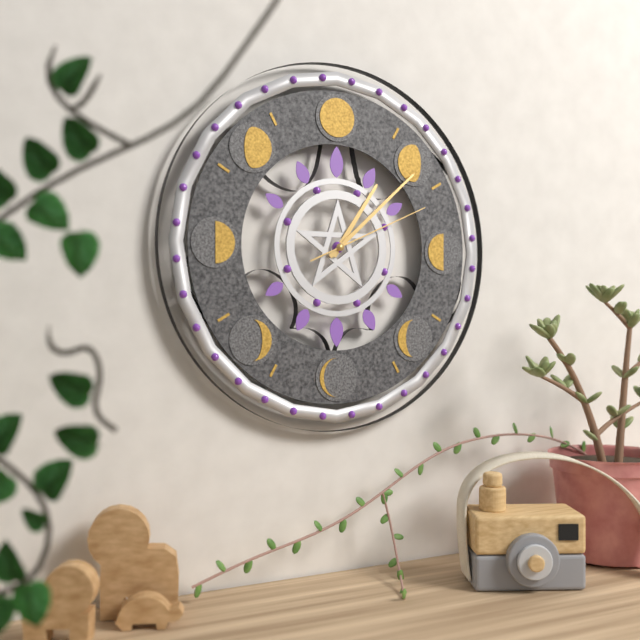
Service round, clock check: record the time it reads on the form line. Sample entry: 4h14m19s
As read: 1h08m11s
